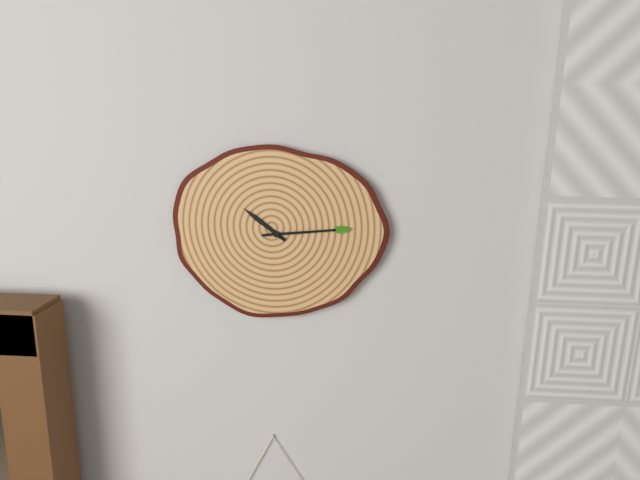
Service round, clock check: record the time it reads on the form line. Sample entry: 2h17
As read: 10h14
